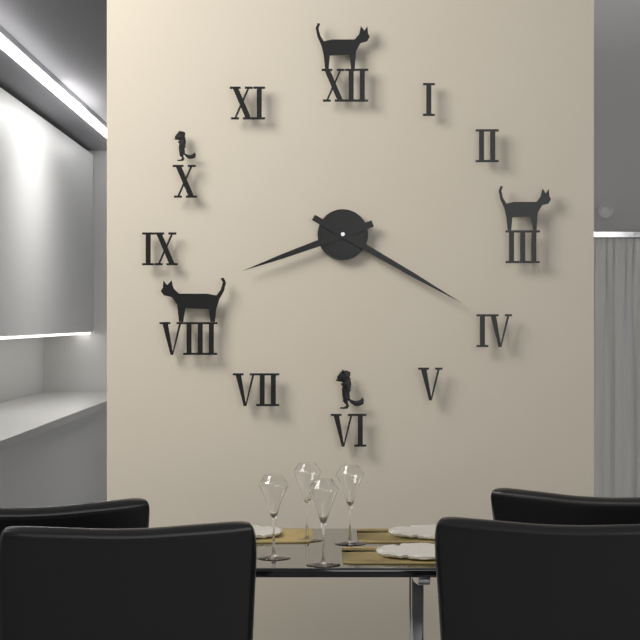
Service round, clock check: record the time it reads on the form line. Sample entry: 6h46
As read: 8h20
